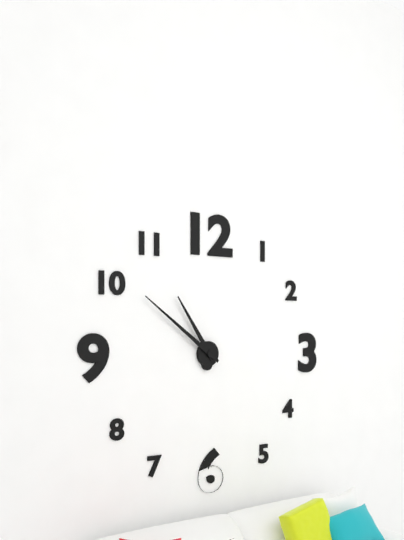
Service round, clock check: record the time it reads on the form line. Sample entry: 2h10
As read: 10h51
